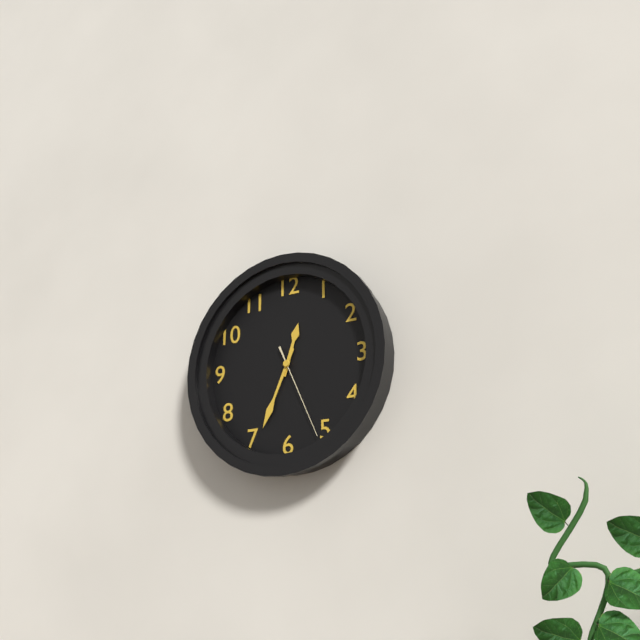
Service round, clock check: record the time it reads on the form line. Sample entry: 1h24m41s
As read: 12h34m26s
